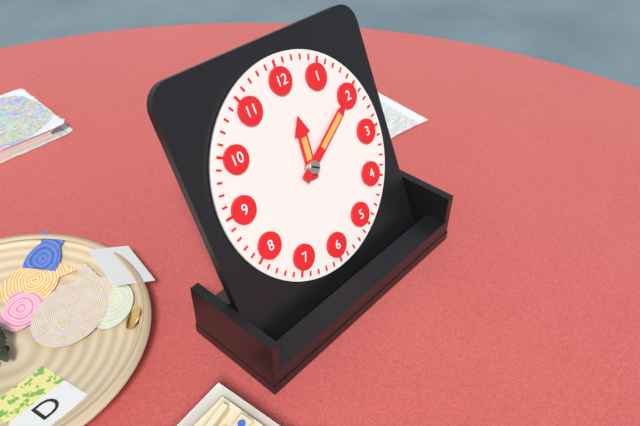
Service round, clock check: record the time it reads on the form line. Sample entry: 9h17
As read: 12h10
